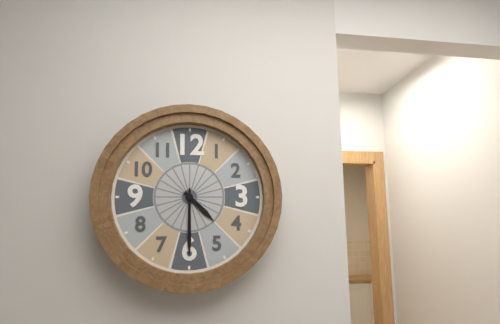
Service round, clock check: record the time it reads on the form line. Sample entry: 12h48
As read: 4h30
